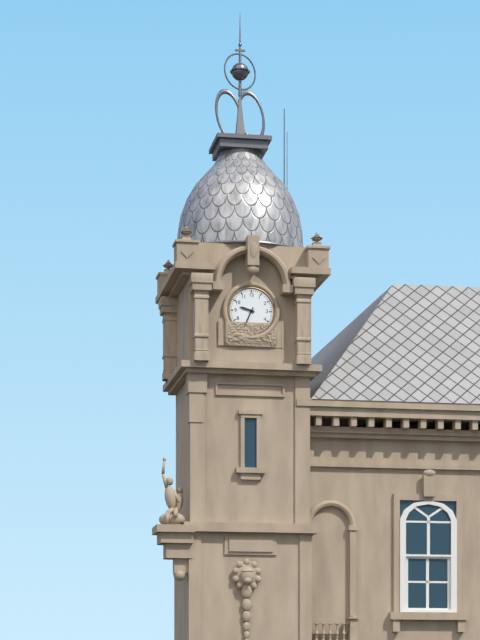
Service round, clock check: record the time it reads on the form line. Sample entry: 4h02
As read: 9h34
